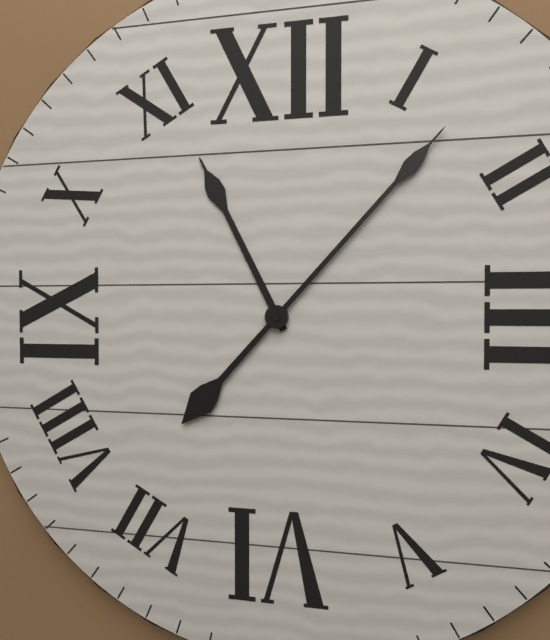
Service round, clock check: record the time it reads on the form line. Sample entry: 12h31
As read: 11h07
